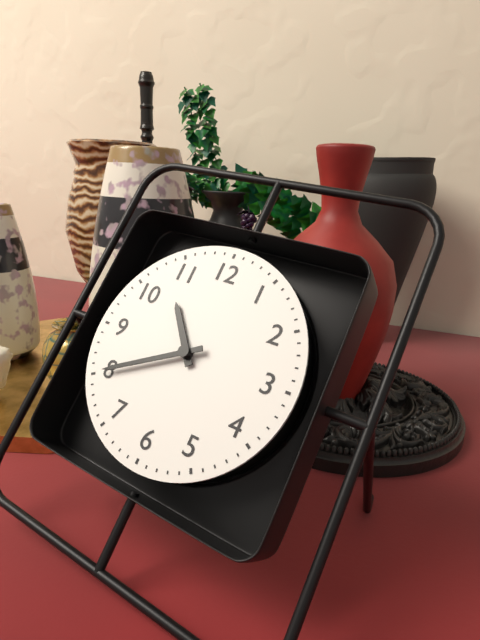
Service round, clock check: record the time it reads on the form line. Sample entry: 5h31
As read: 10h40
